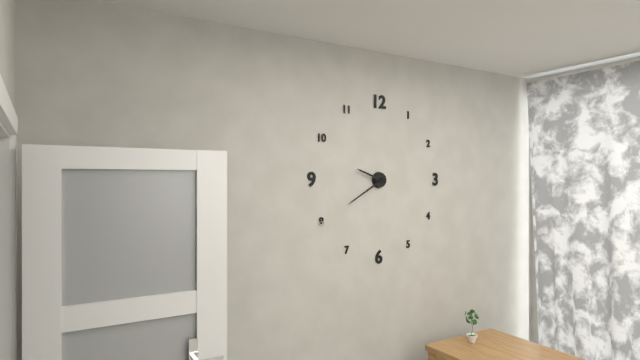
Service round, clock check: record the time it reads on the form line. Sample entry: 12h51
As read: 9h40
